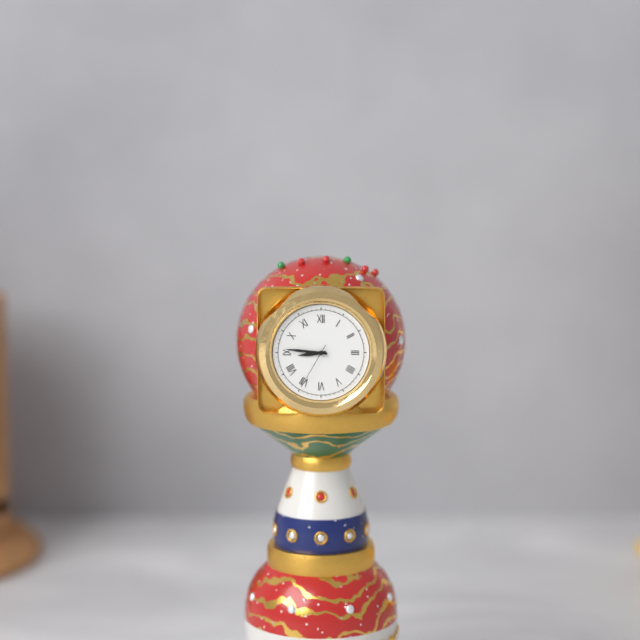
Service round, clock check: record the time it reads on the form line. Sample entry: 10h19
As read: 8h46
